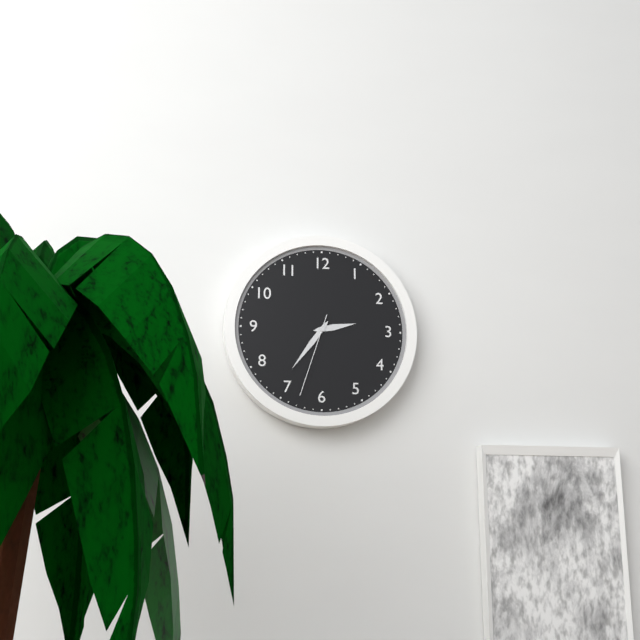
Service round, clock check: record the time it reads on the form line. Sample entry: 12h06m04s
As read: 2h36m33s
